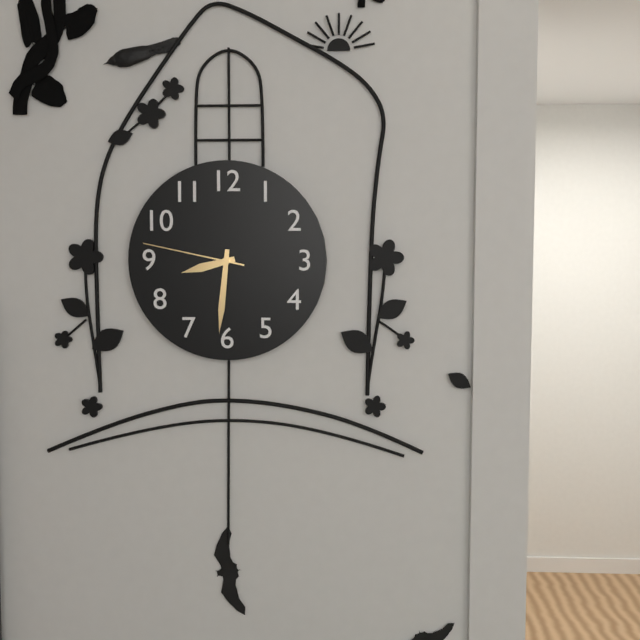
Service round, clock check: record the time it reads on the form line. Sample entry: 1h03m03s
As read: 8h31m47s
